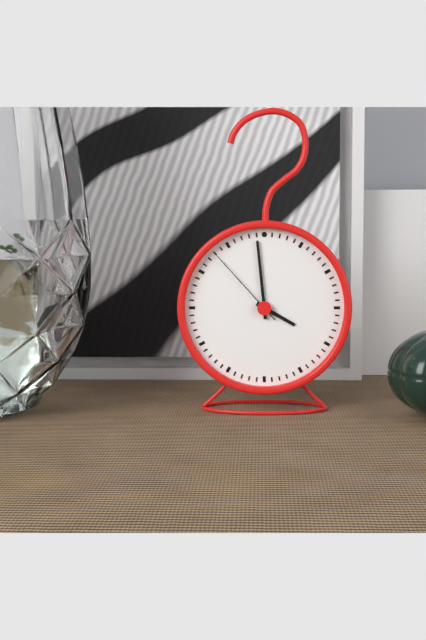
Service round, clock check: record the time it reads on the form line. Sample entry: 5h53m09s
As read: 3h59m53s
